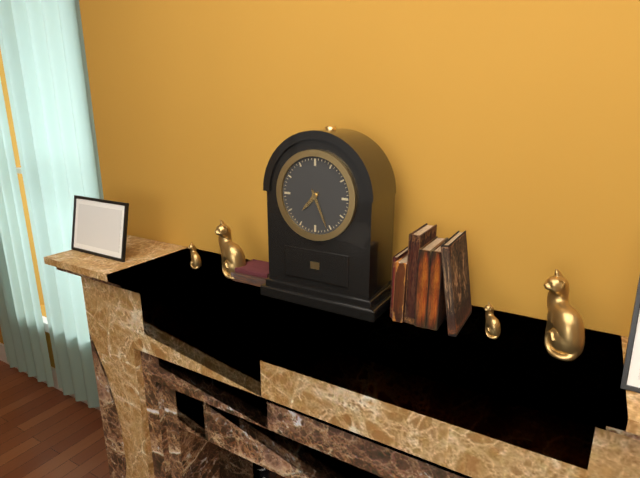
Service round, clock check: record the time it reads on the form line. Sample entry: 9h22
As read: 7h26
